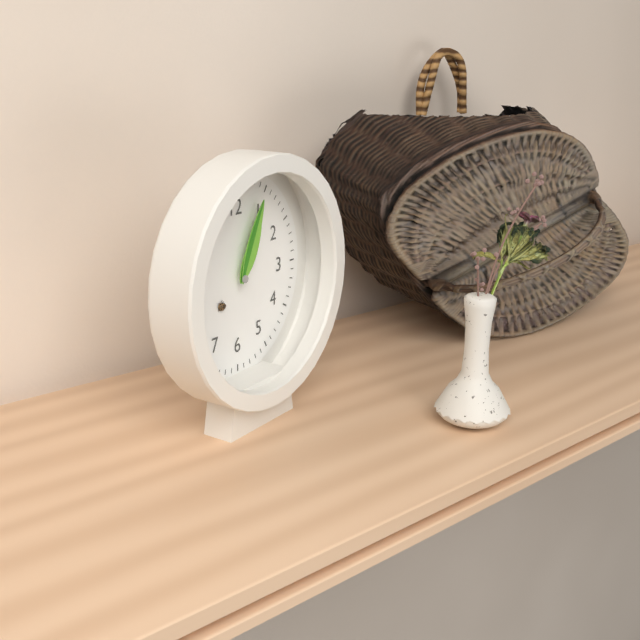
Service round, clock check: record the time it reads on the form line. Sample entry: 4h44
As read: 1h04
